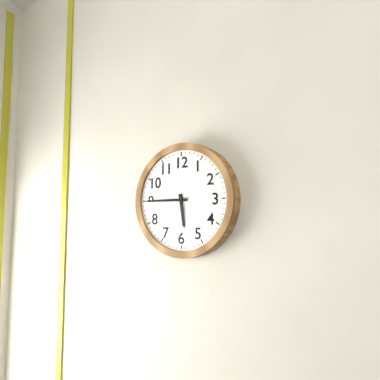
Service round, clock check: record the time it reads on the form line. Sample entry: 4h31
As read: 5h45
